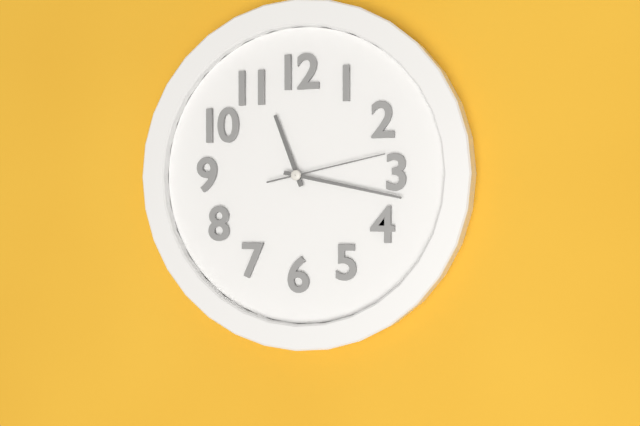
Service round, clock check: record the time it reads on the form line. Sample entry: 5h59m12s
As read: 11h17m13s
